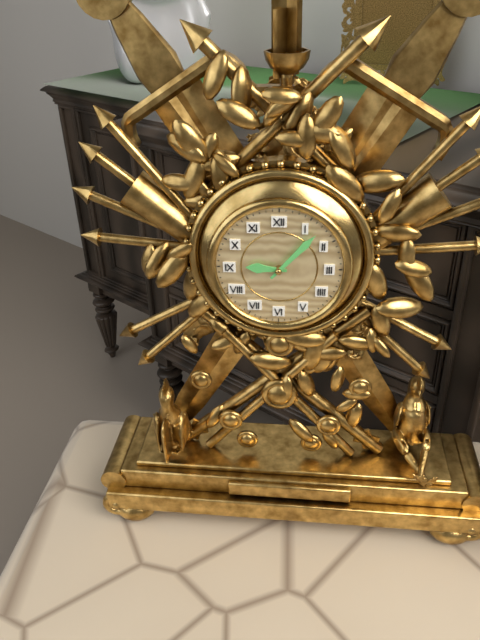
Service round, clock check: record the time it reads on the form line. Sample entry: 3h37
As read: 9h07
